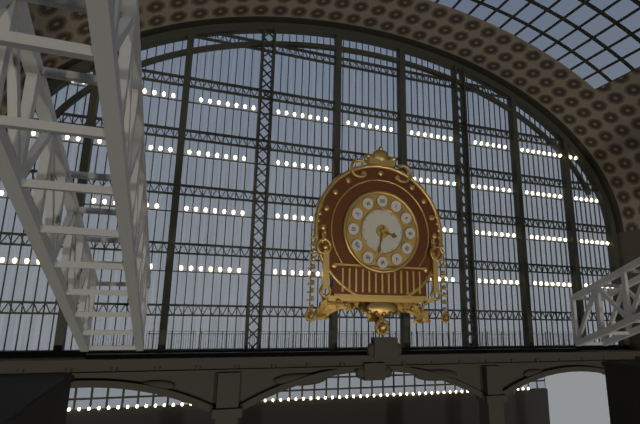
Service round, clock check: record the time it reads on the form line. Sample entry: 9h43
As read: 3h32
